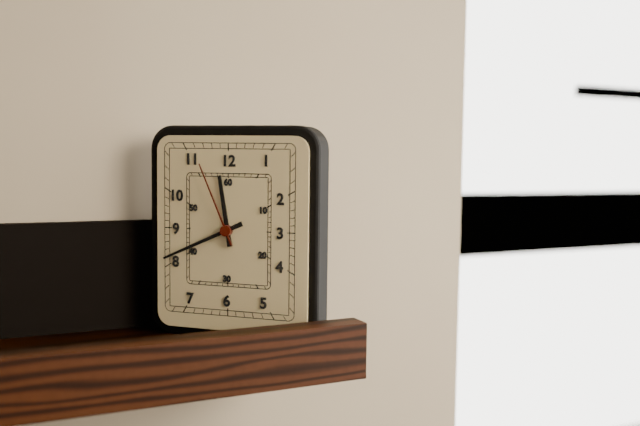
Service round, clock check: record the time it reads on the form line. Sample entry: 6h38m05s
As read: 11h41m56s
